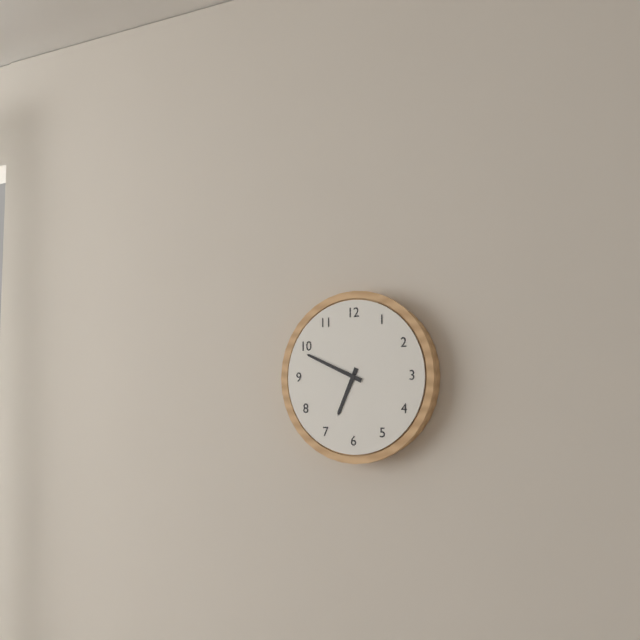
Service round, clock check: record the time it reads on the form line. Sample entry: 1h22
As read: 6h49
